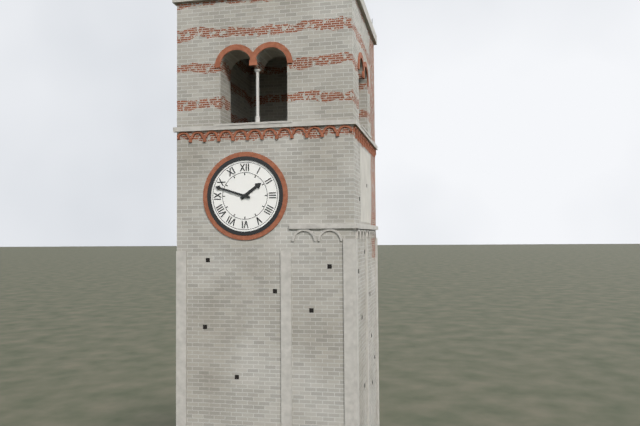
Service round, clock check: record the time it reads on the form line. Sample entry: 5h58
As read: 1h48
